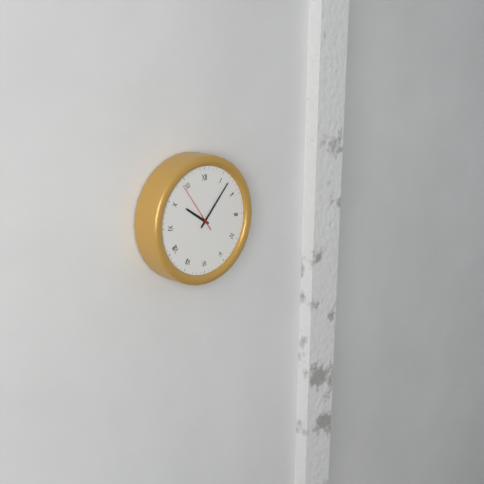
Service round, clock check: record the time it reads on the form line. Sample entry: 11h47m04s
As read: 10h07m54s
